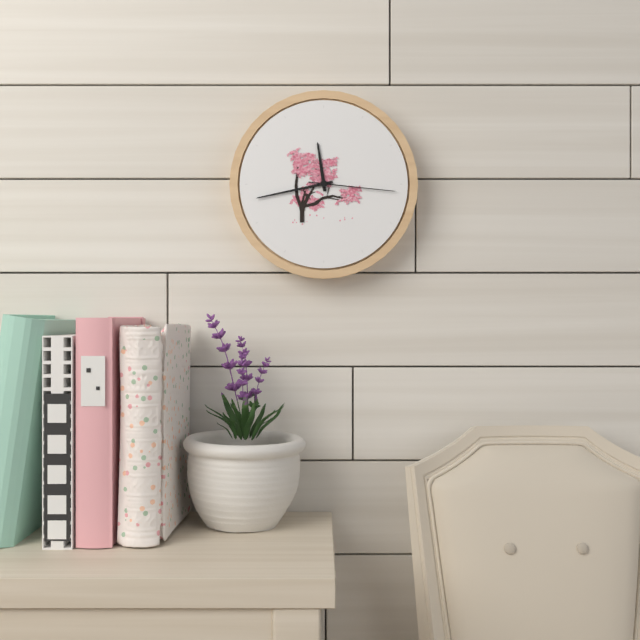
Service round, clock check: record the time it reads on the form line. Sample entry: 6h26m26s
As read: 11h43m16s
